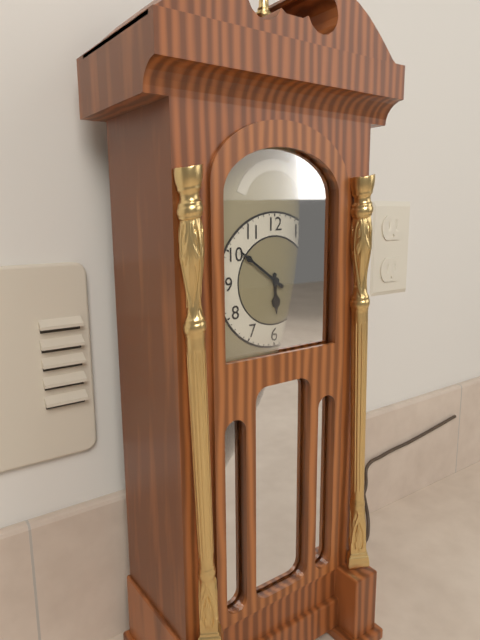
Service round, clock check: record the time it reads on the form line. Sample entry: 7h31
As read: 5h51
